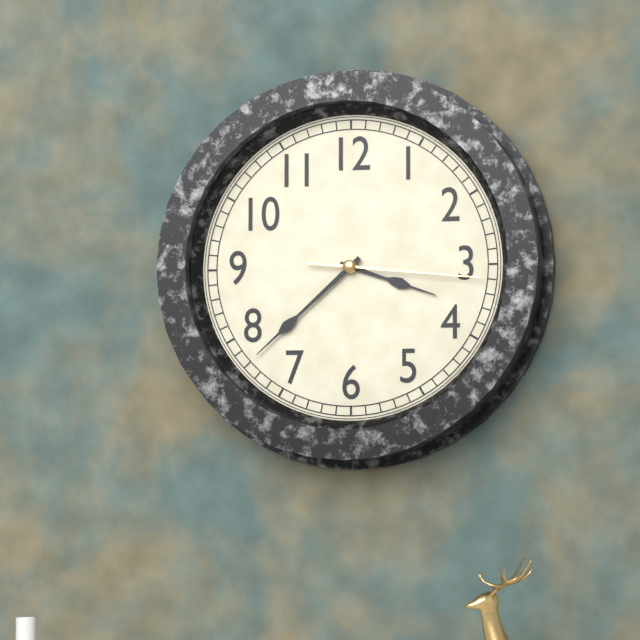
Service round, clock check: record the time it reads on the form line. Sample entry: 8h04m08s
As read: 3h38m16s
